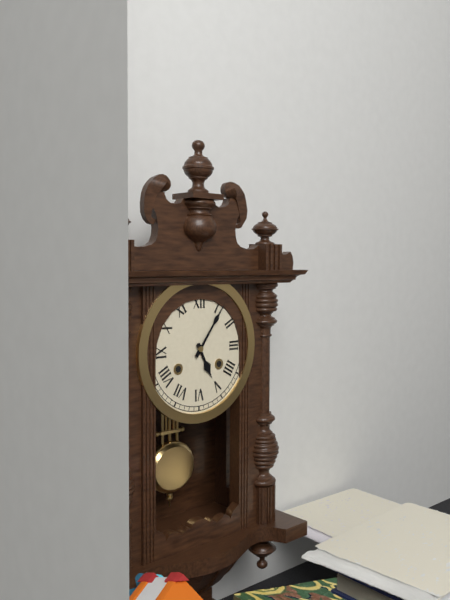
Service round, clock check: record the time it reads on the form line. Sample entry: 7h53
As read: 5h06
